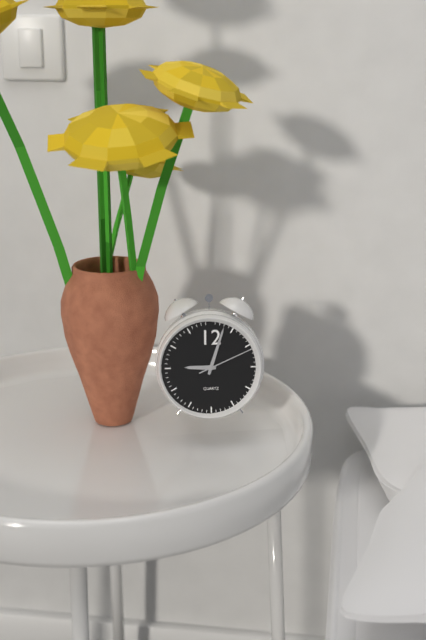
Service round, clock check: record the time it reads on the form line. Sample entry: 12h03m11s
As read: 9h03m11s
